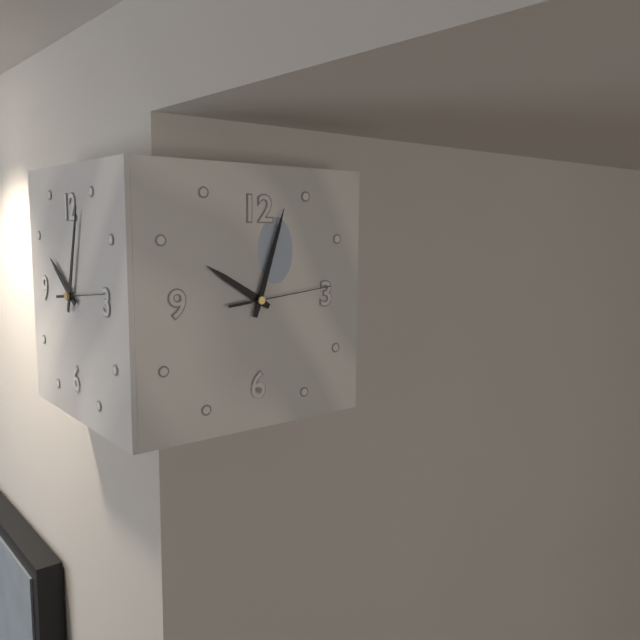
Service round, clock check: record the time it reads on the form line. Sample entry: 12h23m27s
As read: 10h03m14s
